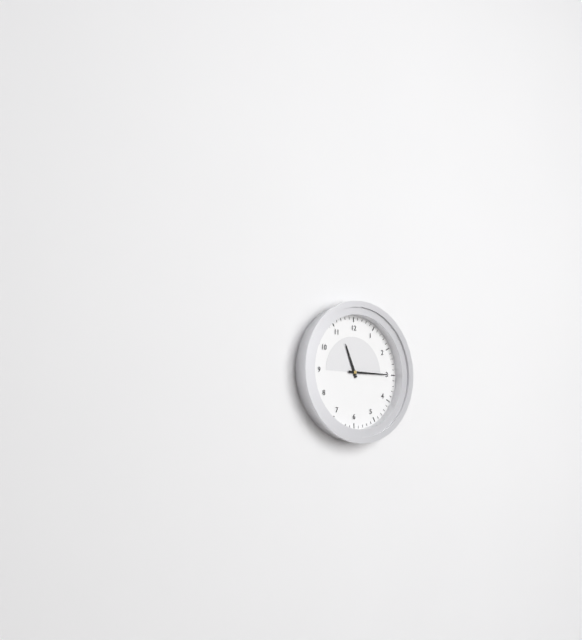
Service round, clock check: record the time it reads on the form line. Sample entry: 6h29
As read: 11h15
